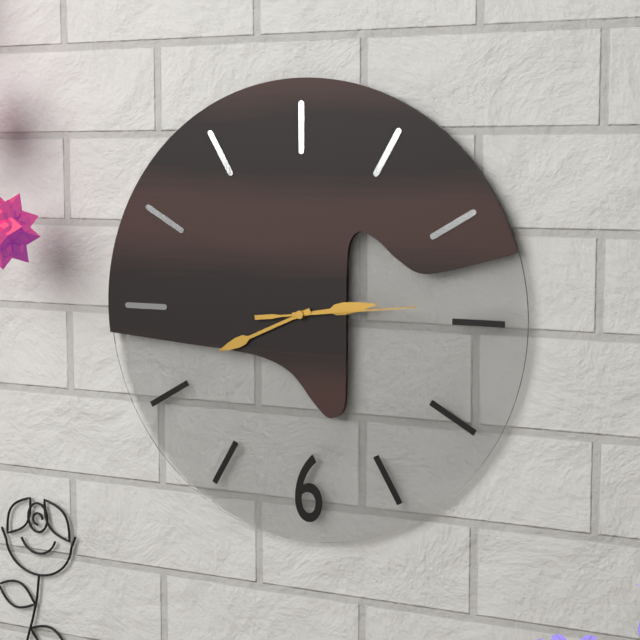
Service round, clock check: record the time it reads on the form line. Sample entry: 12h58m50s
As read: 2h41m14s
